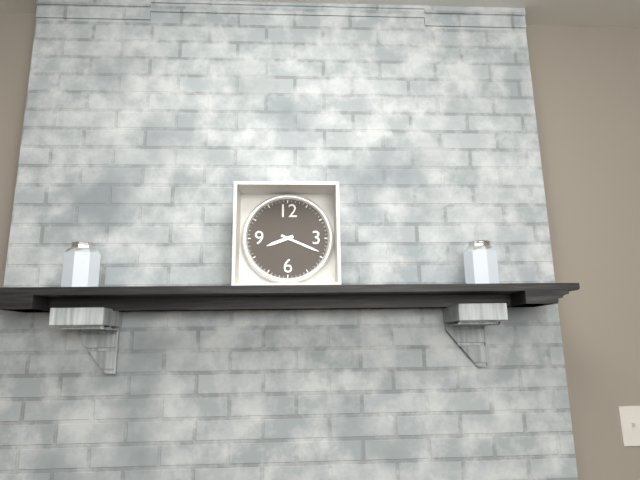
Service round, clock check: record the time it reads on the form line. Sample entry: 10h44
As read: 8h19
